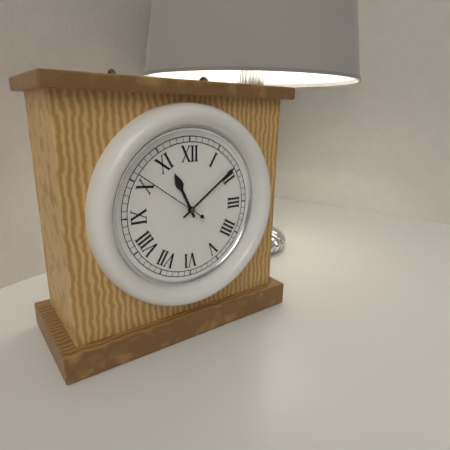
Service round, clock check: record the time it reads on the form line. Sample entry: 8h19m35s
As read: 11h09m51s
